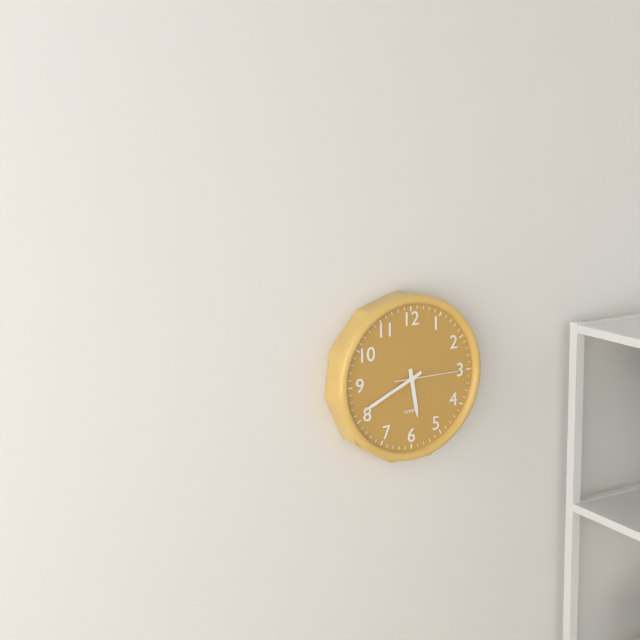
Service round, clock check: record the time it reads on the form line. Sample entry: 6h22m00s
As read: 5h41m15s
